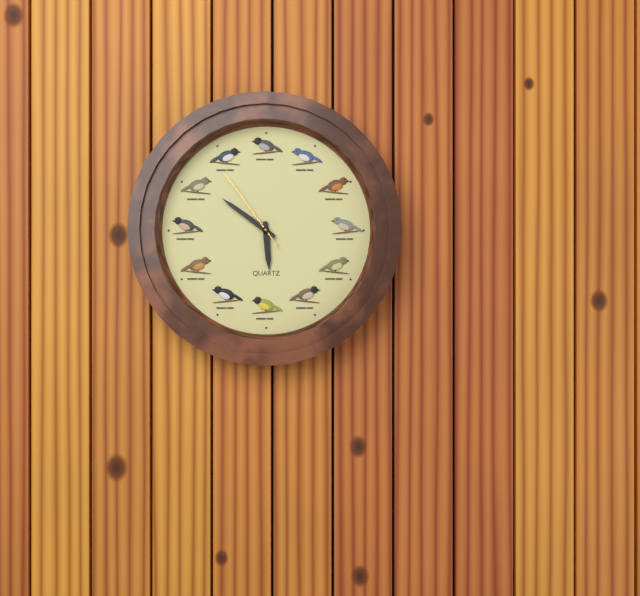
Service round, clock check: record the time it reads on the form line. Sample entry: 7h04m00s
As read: 5h51m54s
